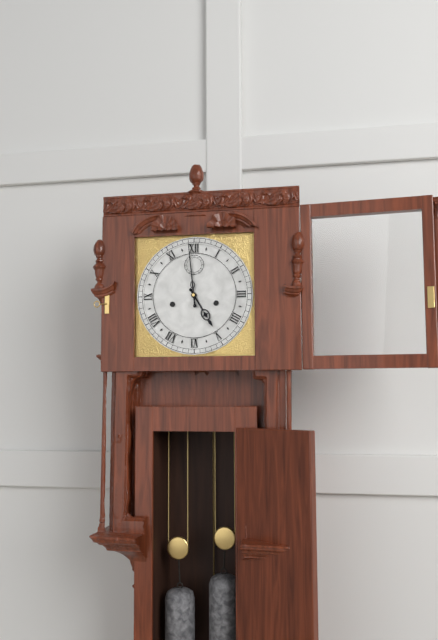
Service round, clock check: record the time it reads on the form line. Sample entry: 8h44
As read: 4h59
